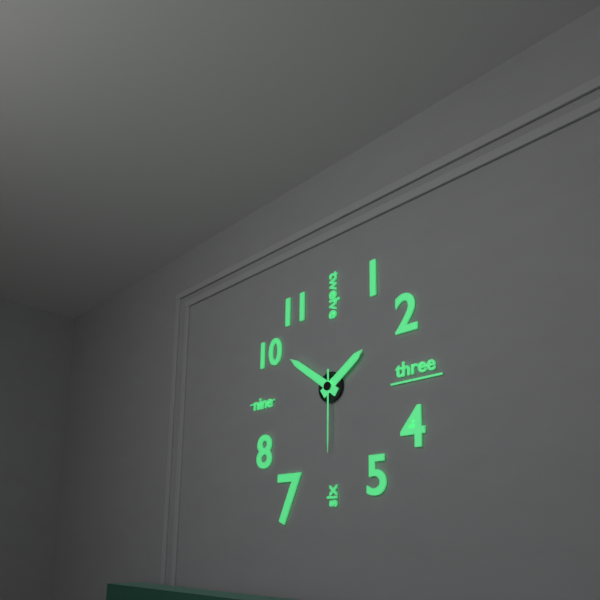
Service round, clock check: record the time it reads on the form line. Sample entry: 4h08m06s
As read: 1h51m30s
